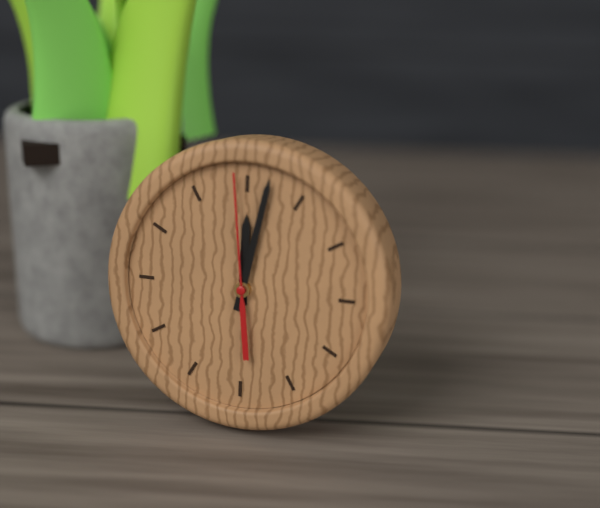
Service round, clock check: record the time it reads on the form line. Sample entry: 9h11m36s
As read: 12h02m59s
